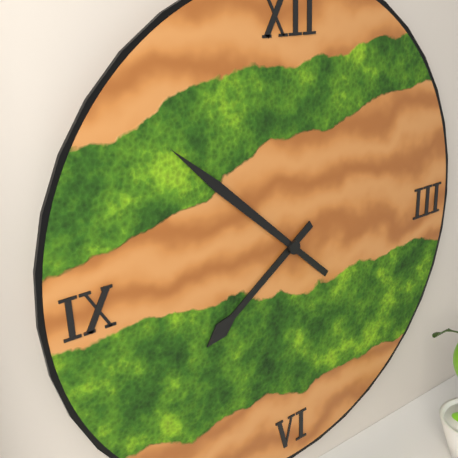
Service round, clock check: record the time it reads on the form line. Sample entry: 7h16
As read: 7h52
